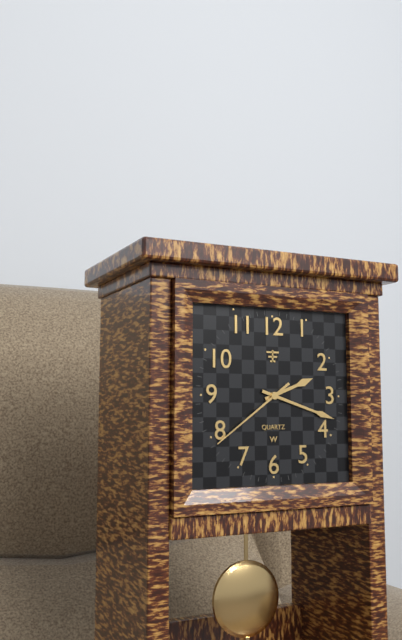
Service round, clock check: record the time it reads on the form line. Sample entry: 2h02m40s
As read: 2h18m39s
